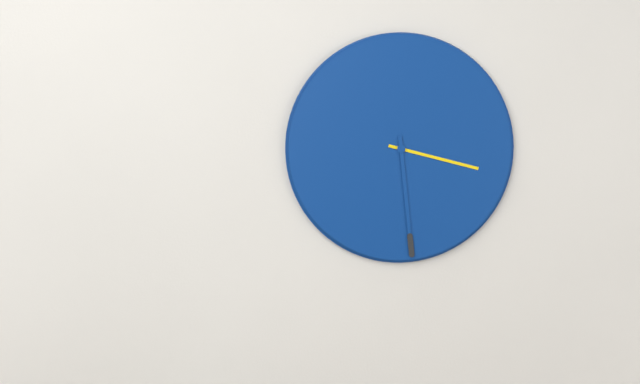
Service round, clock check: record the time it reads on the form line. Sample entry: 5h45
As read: 3h29
